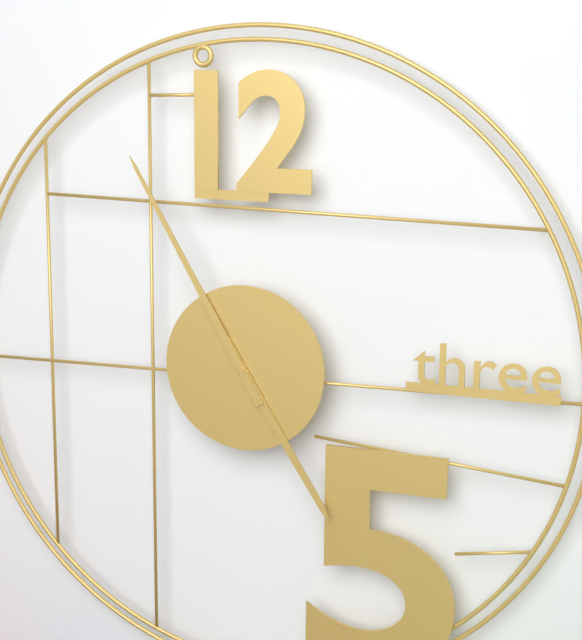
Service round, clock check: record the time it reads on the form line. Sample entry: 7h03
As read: 4h55
